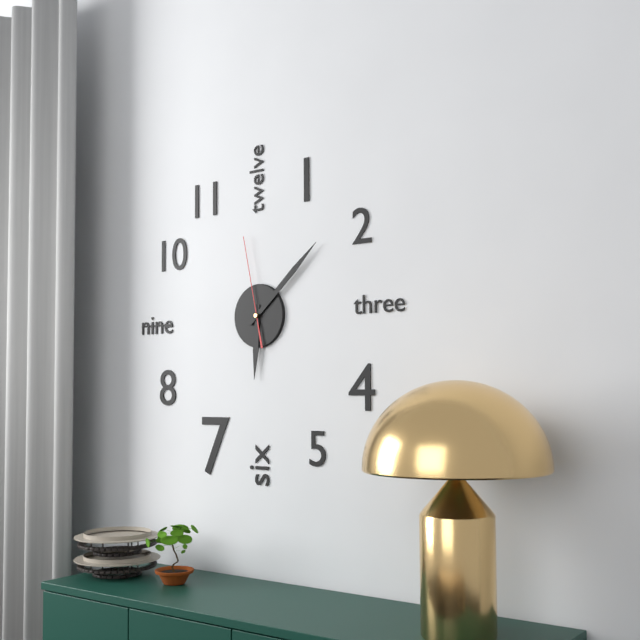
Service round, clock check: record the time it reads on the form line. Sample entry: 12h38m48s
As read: 6h08m58s
